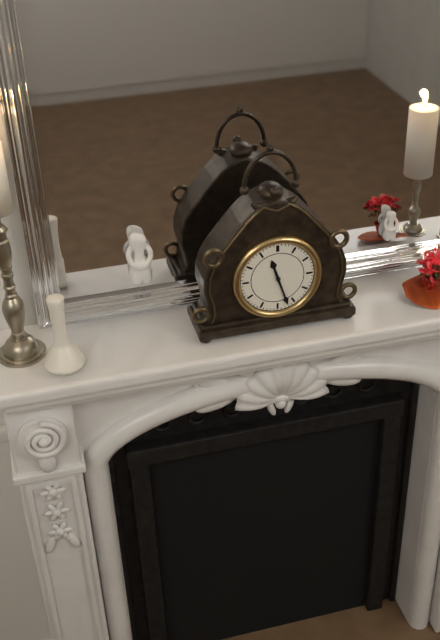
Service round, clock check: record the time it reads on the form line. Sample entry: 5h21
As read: 11h27
